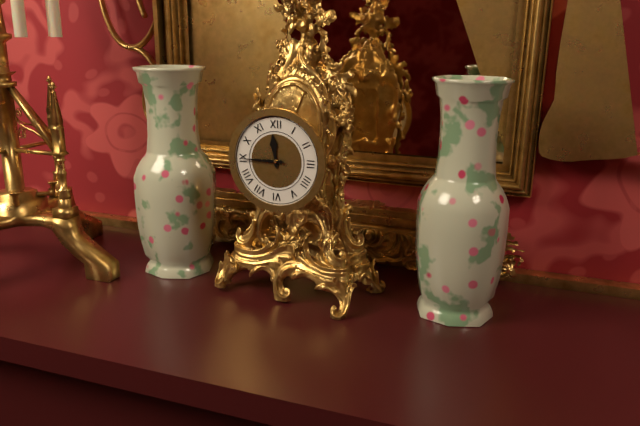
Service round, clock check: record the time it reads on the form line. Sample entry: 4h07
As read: 11h45
